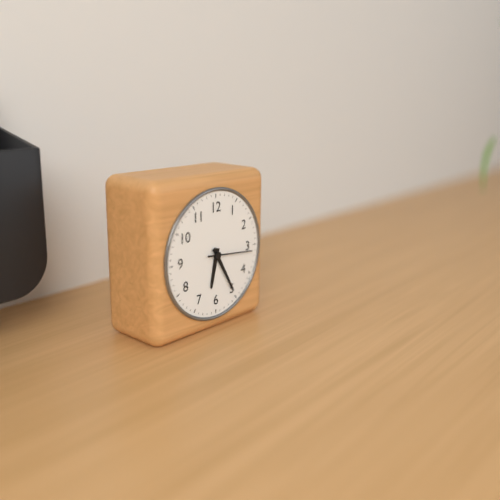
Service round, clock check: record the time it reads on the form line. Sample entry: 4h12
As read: 6h25
